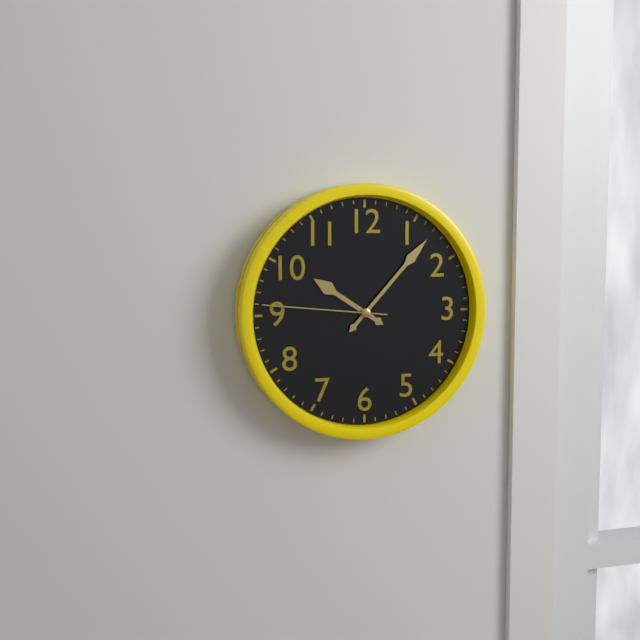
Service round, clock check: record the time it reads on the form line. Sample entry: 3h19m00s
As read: 10h07m46s
